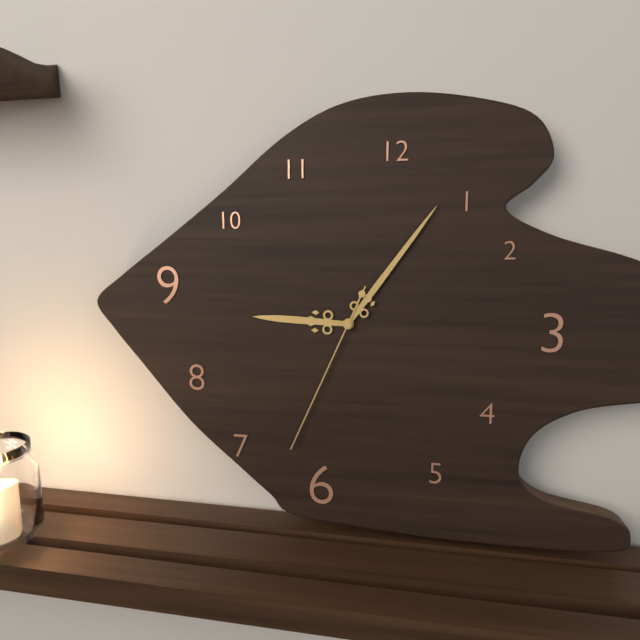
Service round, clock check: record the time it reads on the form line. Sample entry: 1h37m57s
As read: 9h06m34s
